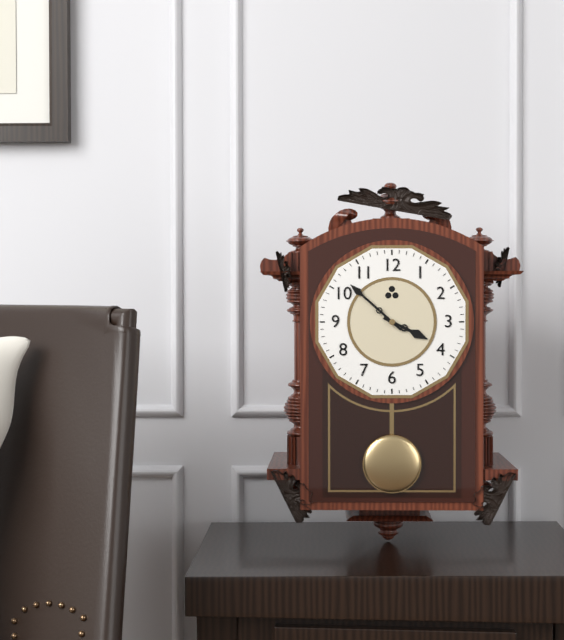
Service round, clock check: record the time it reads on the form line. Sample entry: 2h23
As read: 3h52
